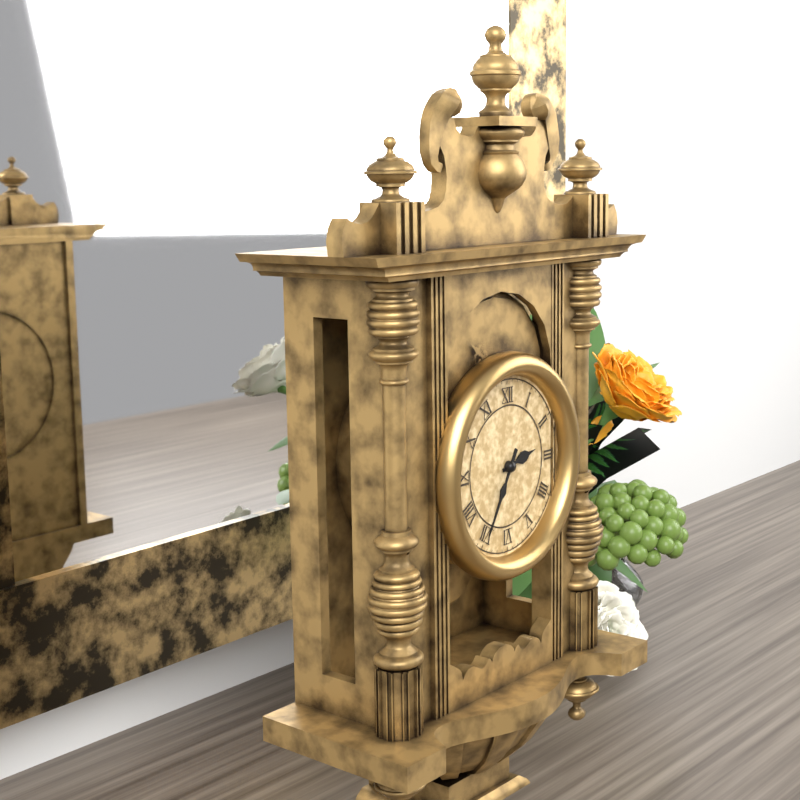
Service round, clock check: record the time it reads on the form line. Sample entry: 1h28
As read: 2h35
